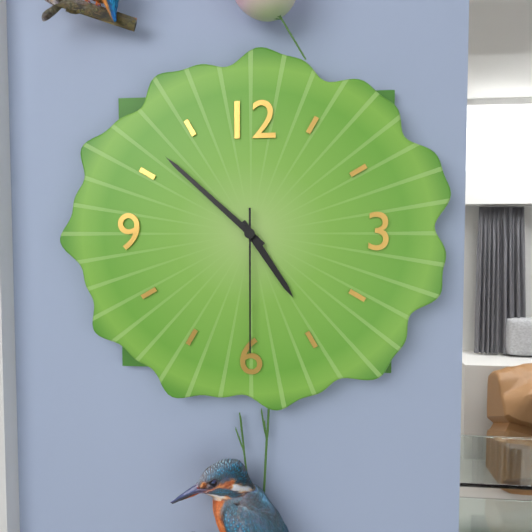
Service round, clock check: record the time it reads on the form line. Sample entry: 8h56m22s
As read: 4h52m30s
